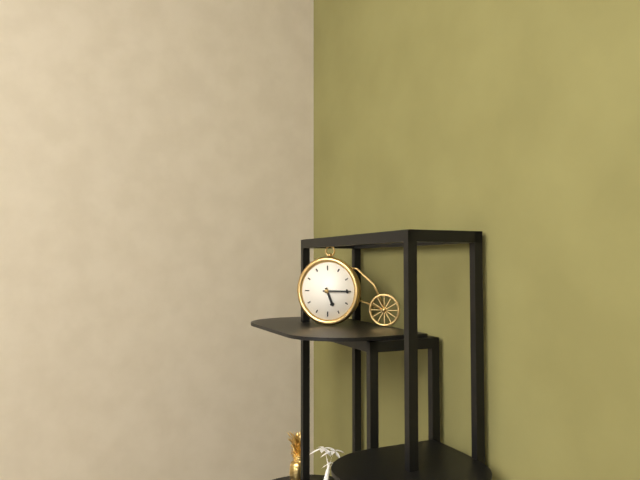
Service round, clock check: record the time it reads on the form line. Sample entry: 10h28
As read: 5h15
